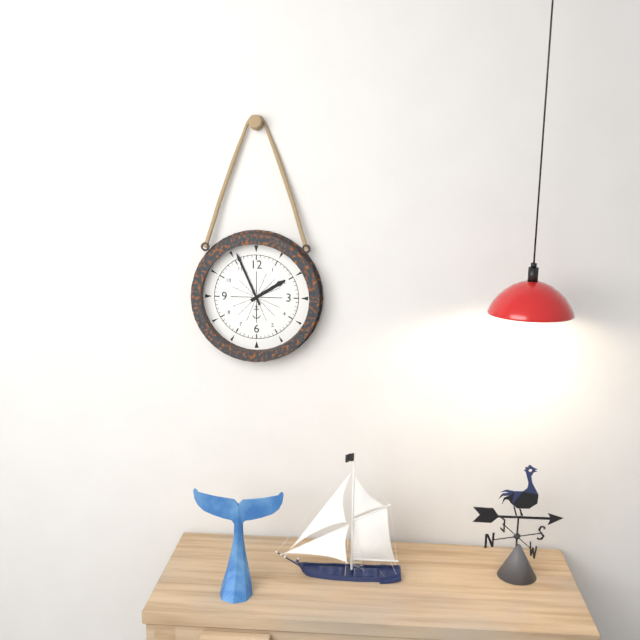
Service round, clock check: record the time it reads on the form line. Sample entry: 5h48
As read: 1h56
